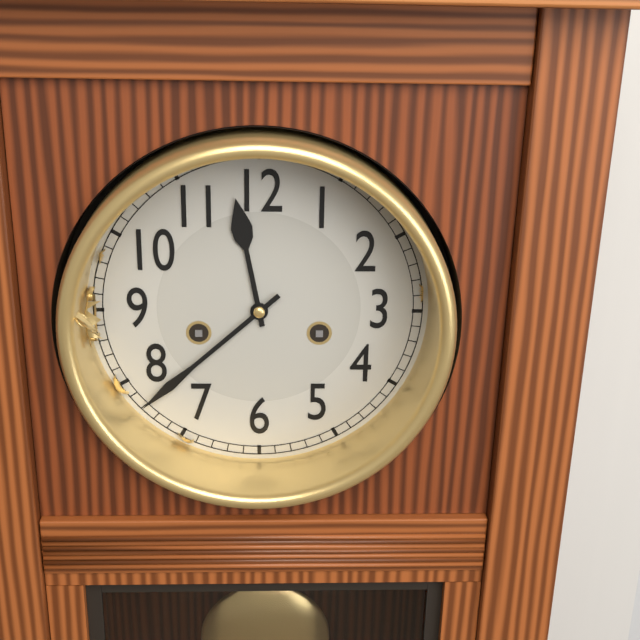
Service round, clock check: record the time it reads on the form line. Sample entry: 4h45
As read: 11h38
